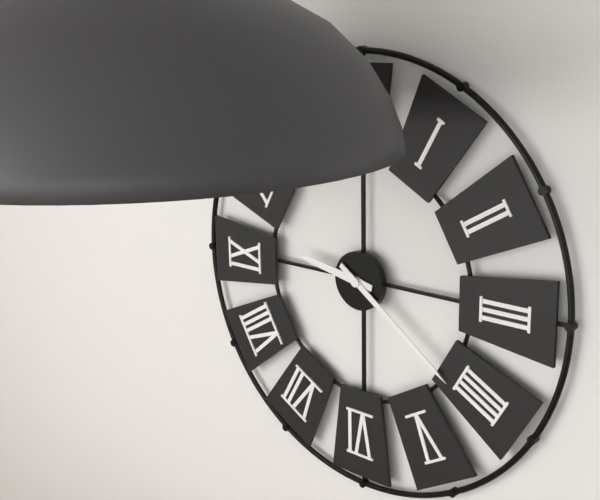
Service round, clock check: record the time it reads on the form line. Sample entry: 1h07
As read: 9h21
